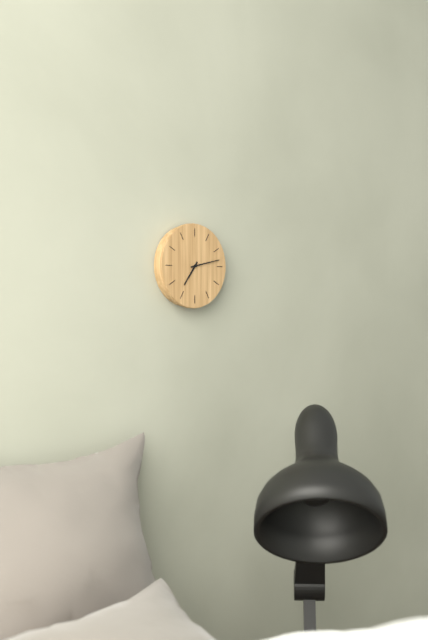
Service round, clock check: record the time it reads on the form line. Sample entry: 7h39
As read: 7h13
